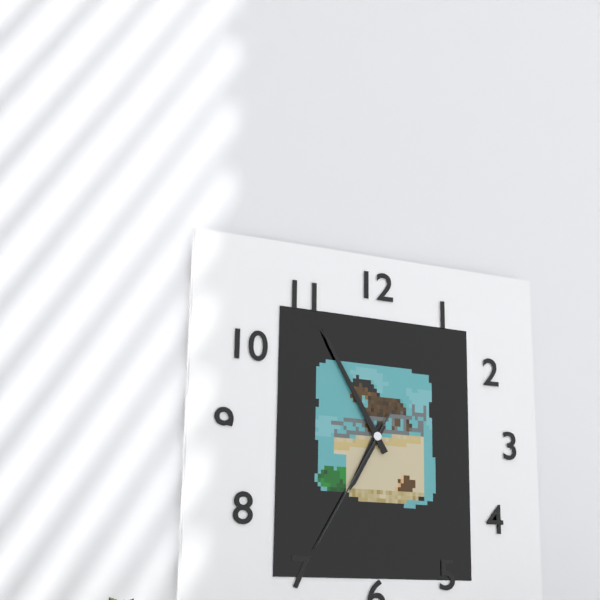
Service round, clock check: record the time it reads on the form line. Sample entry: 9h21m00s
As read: 6h55m35s
